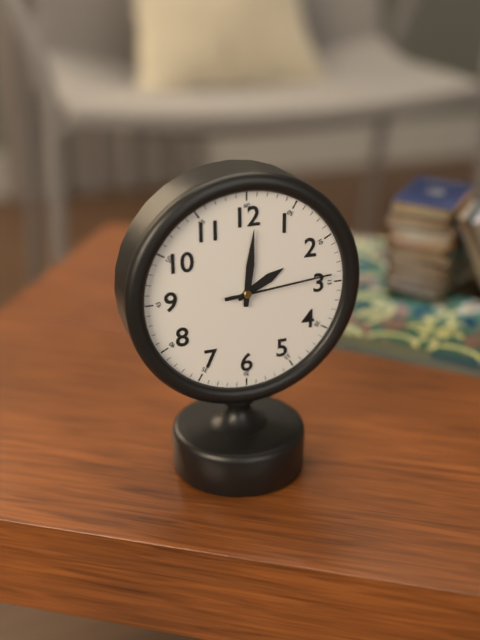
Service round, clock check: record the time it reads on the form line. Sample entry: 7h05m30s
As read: 2h01m14s
